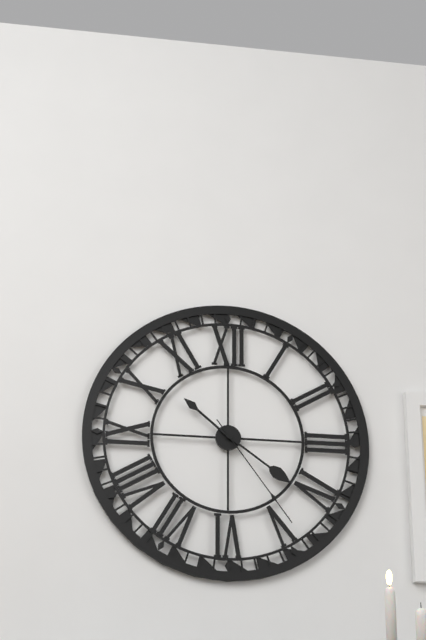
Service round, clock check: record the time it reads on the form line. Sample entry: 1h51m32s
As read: 10h21m24s
